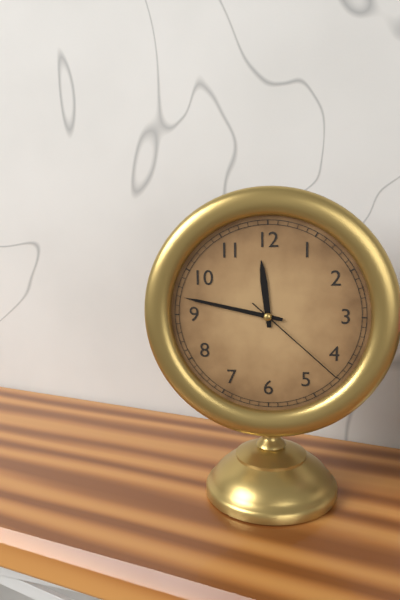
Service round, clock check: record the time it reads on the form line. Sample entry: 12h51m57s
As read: 11h47m22s
